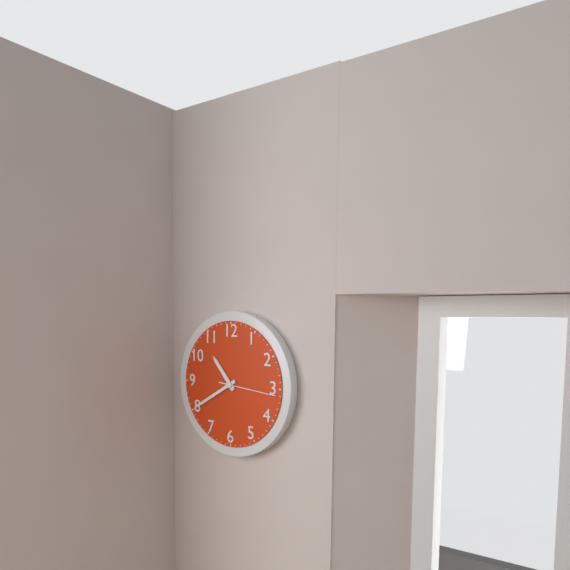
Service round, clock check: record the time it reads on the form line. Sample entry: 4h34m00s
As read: 10h40m16s
